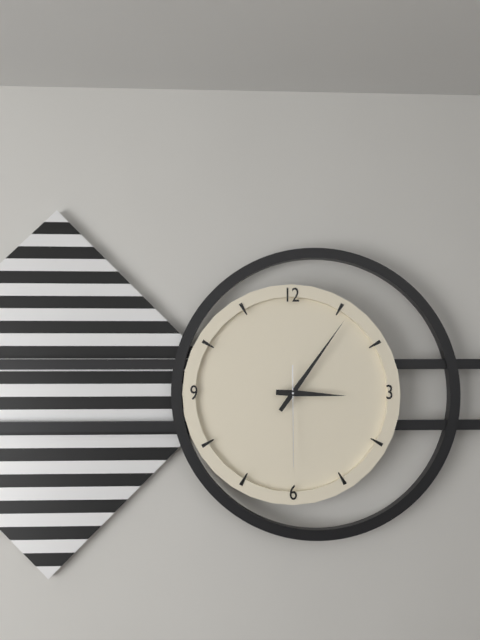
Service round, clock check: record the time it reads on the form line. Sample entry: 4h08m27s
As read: 3h06m30s
